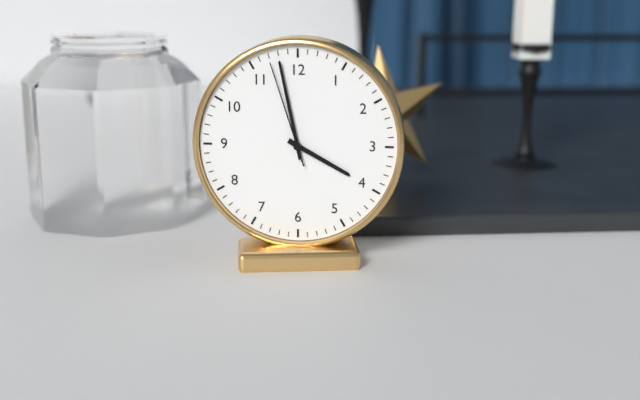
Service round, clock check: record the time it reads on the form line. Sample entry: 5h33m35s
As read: 3h58m57s
